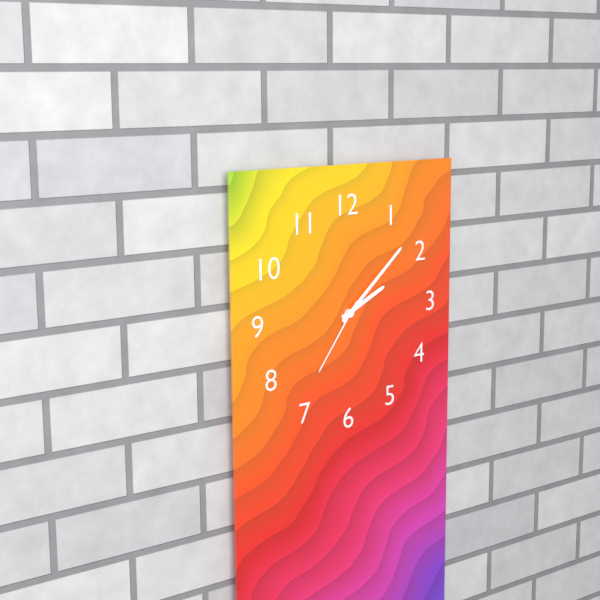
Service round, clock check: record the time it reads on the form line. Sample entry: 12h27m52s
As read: 2h08m36s
